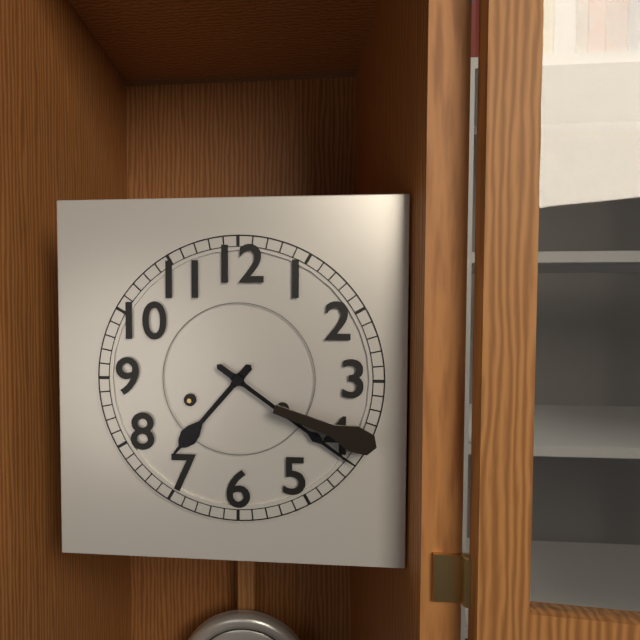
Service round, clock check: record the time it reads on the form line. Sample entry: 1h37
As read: 7h21
